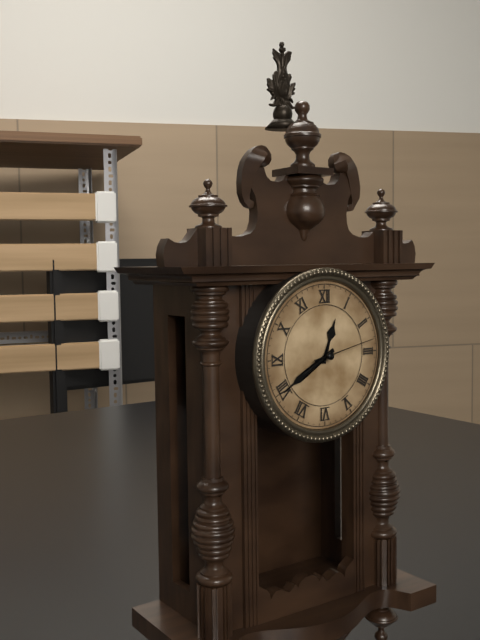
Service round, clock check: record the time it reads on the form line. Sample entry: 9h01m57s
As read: 12h40m13s
